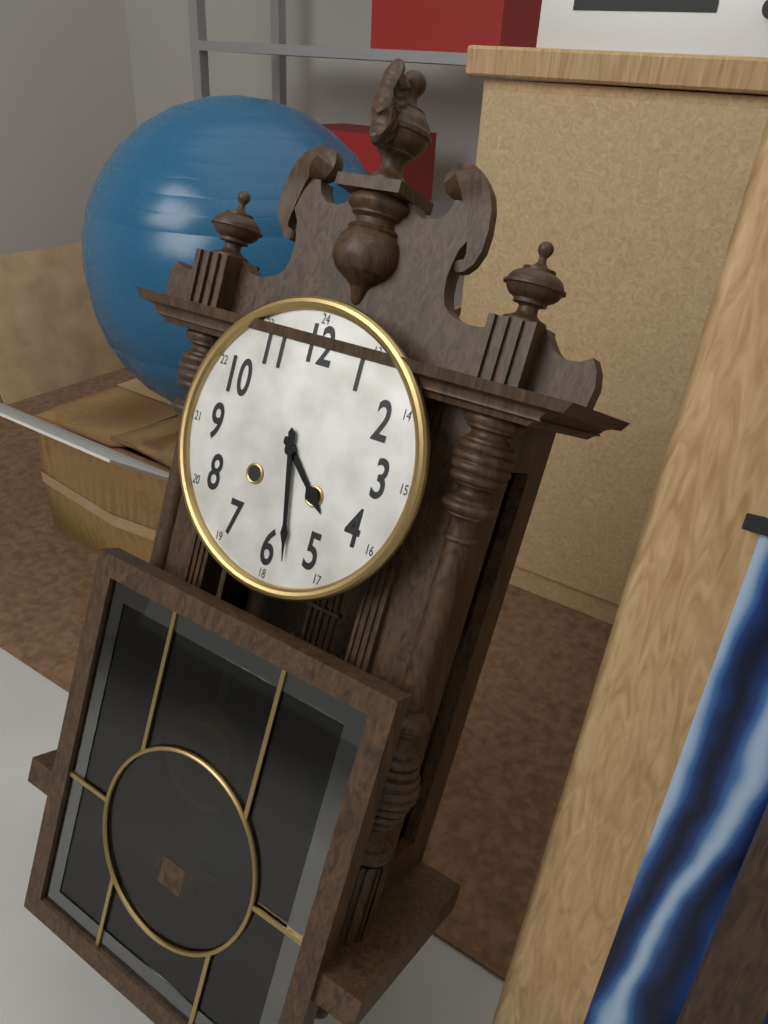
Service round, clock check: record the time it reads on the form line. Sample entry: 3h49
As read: 4h28
